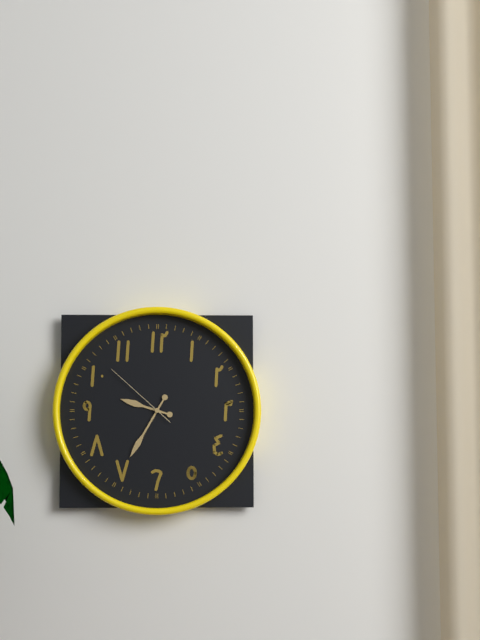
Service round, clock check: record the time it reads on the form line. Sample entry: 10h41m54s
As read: 9h35m52s
